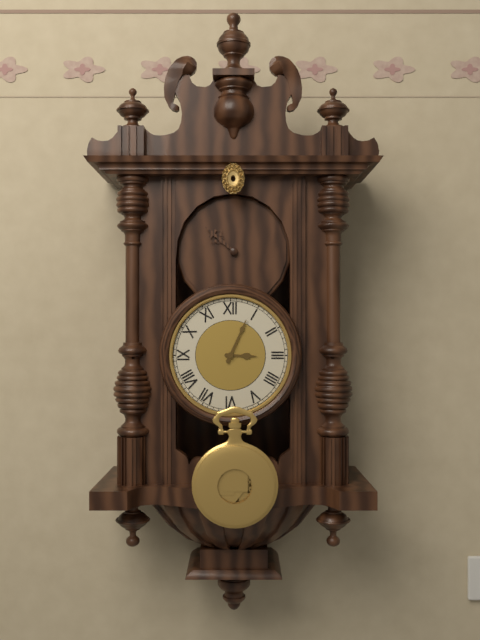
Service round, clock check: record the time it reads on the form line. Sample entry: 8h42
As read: 3h04
